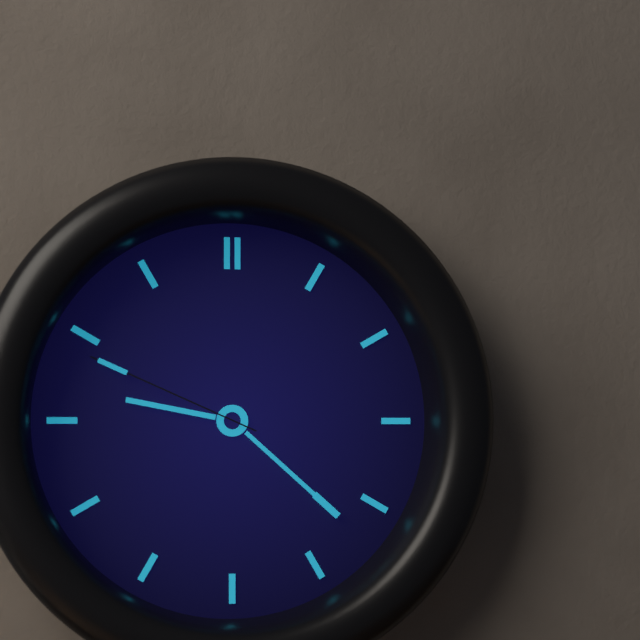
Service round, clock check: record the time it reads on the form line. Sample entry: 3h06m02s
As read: 9h22m49s
